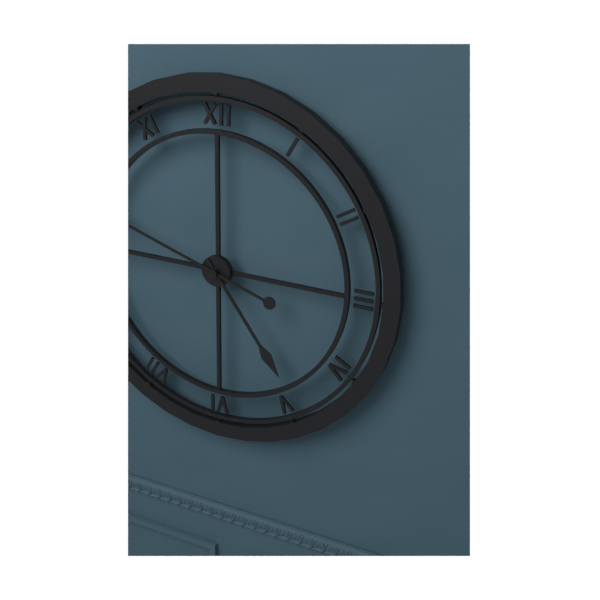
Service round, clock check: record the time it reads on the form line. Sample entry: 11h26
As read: 4h48
